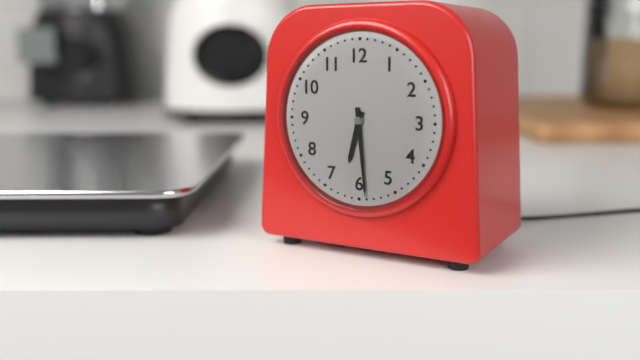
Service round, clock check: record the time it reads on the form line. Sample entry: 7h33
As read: 6h29
